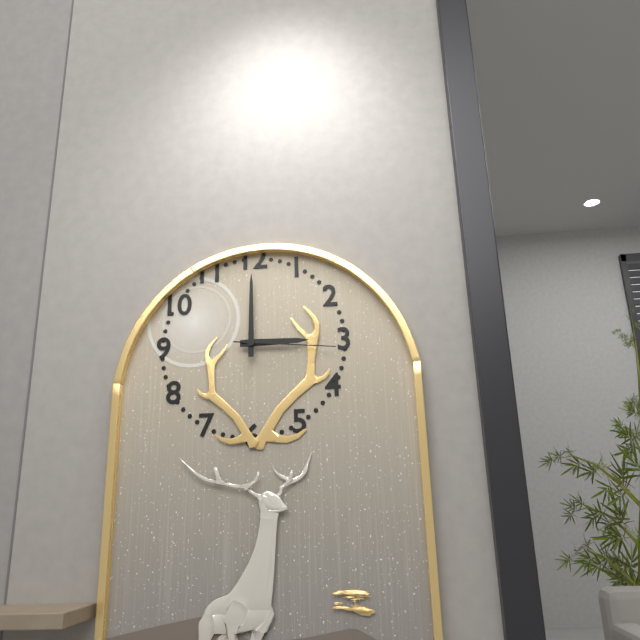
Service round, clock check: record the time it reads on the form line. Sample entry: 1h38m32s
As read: 3h00m16s
